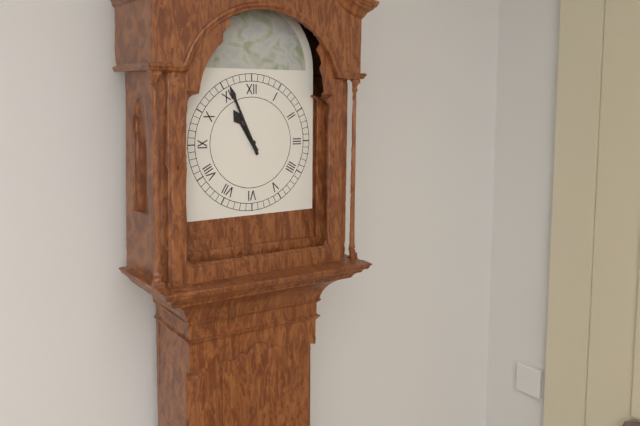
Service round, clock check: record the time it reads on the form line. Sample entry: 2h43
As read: 10h56
